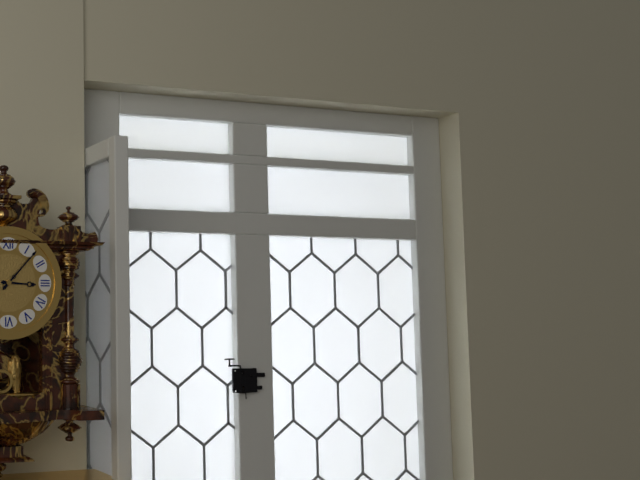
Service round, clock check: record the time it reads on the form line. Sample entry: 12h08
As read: 3h07
